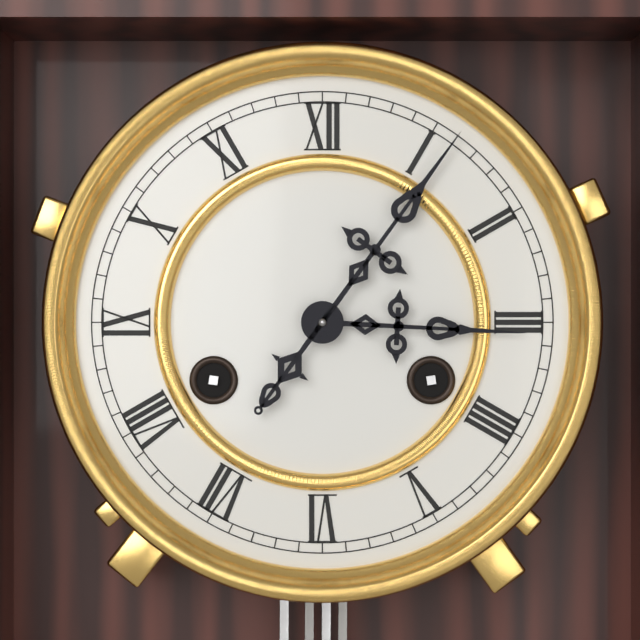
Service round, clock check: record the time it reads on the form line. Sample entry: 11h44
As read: 3h06
